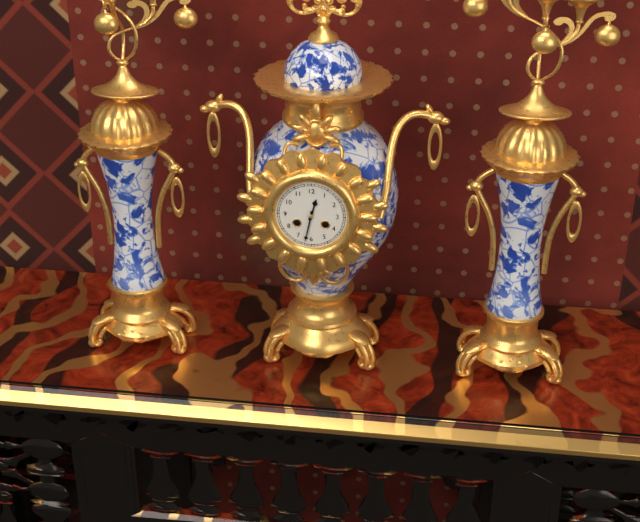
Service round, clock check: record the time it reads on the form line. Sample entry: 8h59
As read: 12h32
